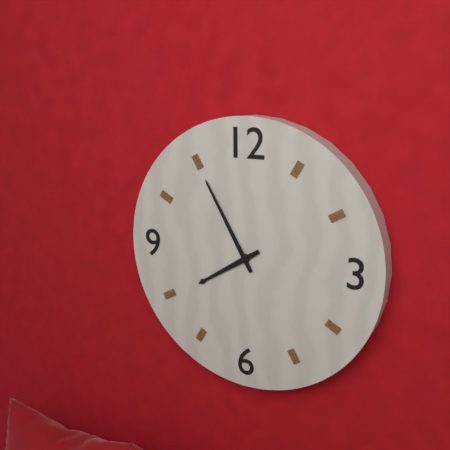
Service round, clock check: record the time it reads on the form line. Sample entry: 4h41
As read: 7h55
